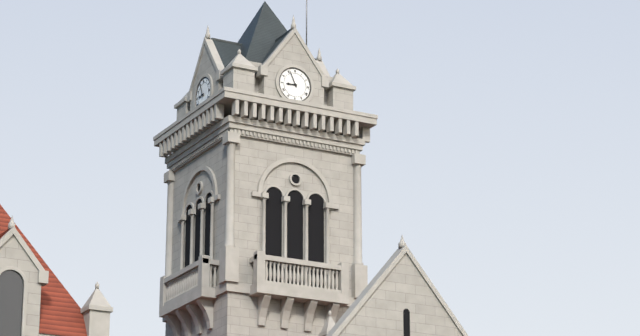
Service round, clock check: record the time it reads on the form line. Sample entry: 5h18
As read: 8h56
